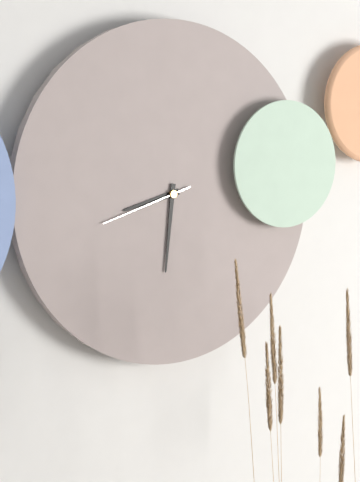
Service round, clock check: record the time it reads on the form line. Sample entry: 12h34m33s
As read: 8h31m42s
